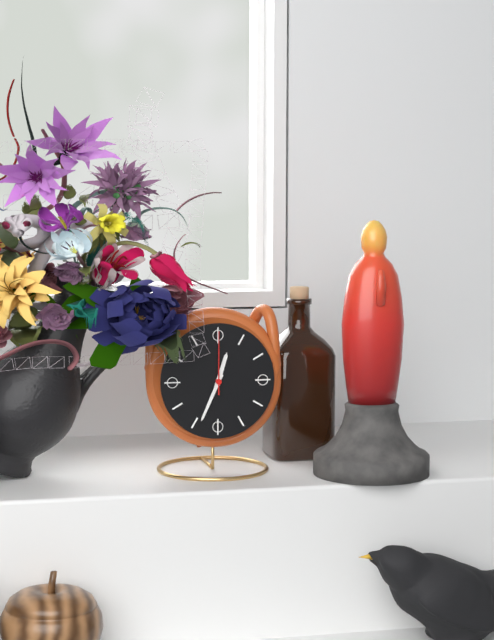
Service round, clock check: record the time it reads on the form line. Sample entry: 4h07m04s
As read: 12h34m00s
